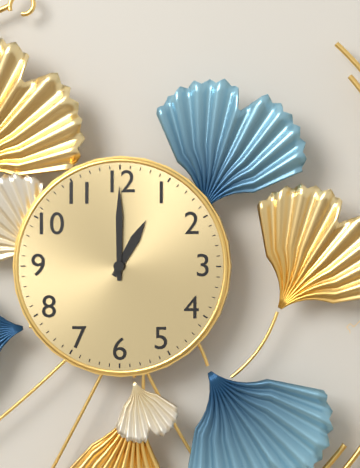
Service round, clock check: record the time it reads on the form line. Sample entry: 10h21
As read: 1h00
